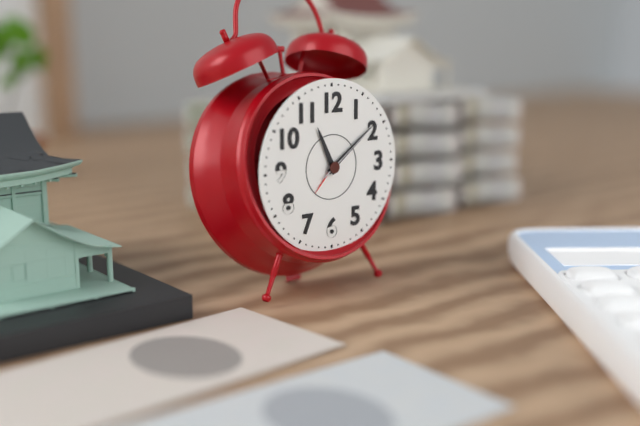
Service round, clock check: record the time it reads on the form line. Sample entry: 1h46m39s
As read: 11h09m09s
